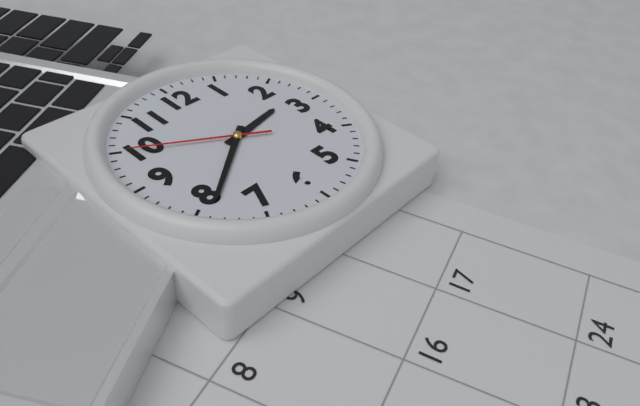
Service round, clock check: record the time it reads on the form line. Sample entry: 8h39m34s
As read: 2h39m50s
